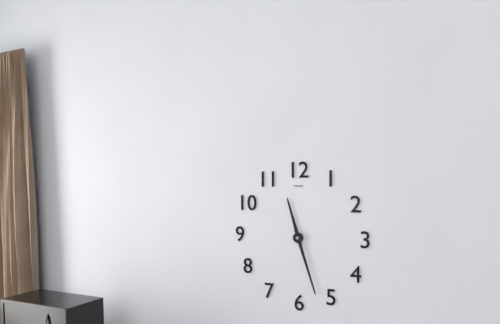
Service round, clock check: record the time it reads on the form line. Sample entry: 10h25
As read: 11h27
